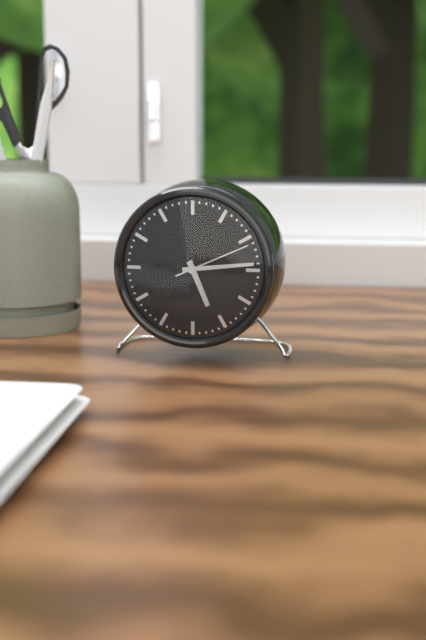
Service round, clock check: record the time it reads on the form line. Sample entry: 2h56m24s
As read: 5h14m11s
